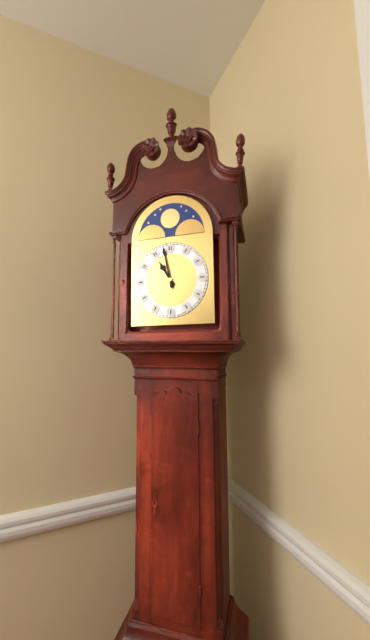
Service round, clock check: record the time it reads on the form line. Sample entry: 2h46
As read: 10h58
